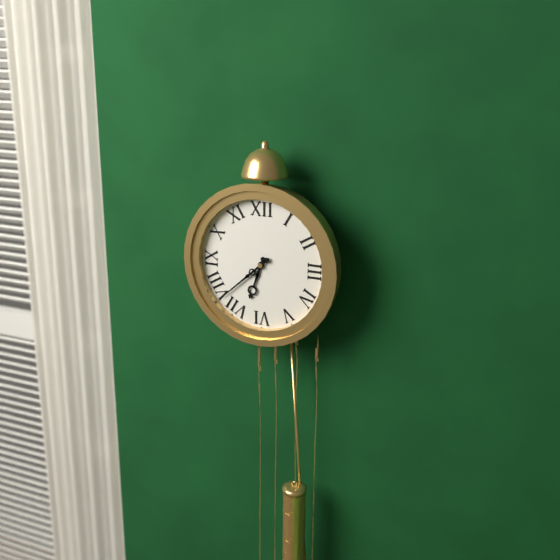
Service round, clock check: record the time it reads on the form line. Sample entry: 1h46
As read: 6h38
